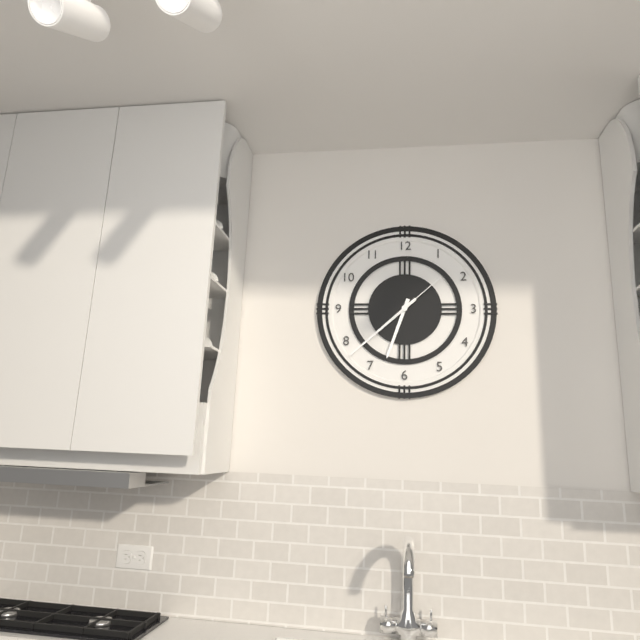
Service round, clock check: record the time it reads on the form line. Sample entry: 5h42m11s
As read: 6h38m08s
